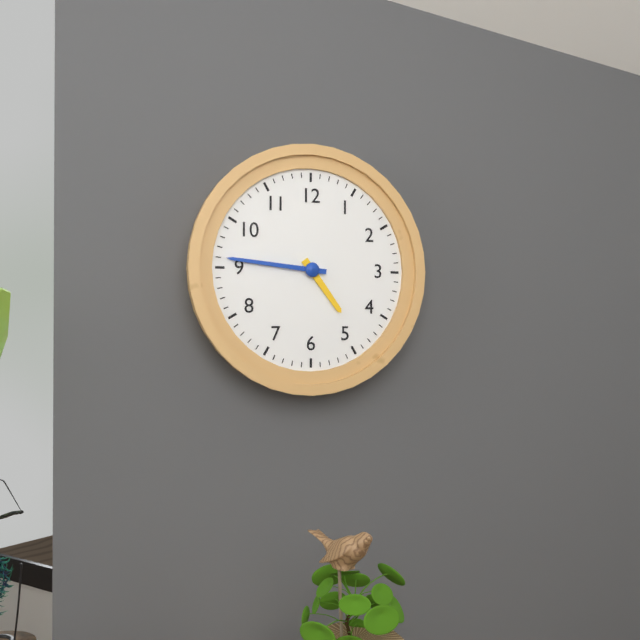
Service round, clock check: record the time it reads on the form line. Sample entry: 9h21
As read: 4h46
